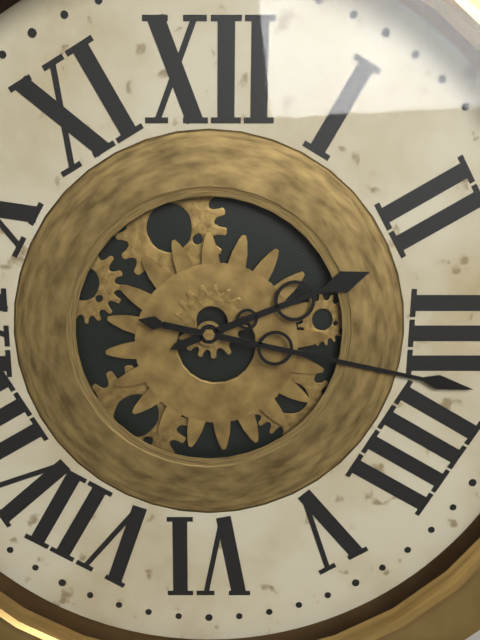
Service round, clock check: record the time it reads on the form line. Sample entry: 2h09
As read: 2h17
